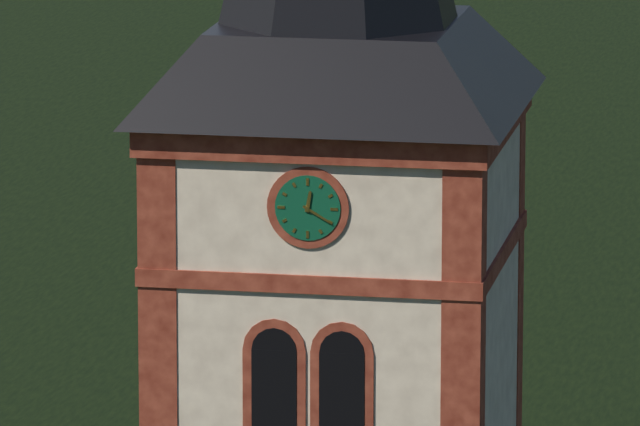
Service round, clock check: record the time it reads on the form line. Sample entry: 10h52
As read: 12h20
